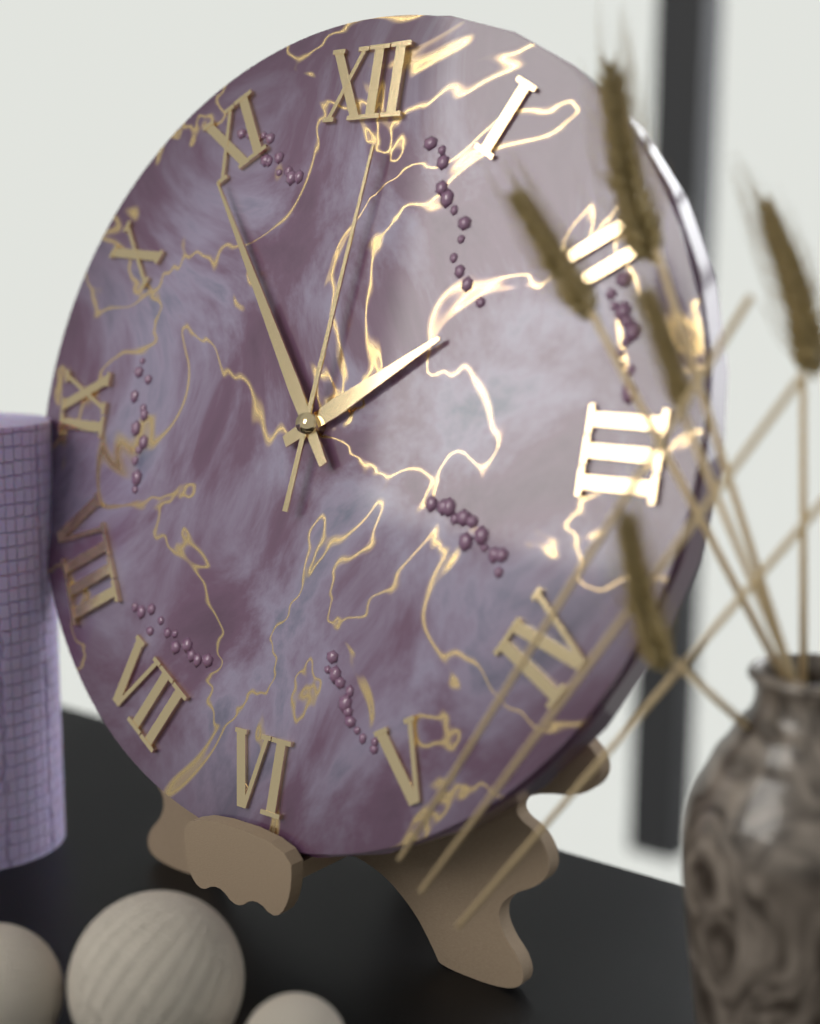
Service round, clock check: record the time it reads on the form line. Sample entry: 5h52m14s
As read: 1h54m01s
